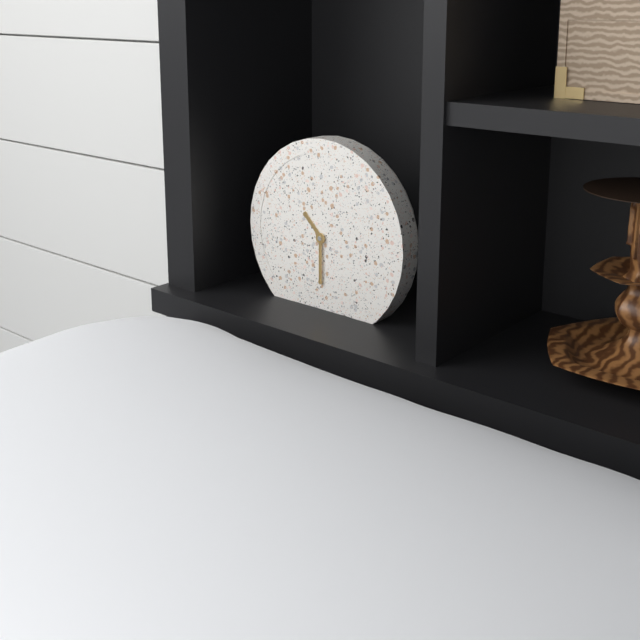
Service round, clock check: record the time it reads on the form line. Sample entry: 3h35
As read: 10h30
